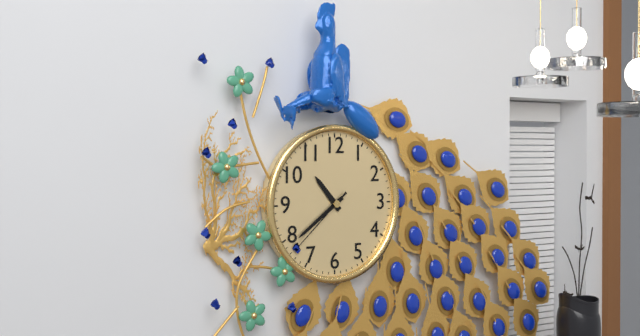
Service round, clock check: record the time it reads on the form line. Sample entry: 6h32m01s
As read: 10h39m38s
